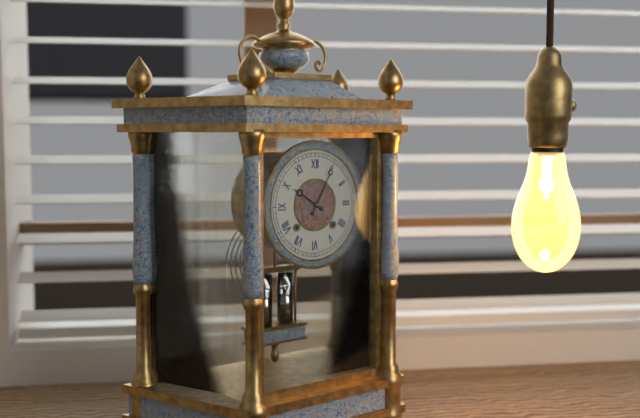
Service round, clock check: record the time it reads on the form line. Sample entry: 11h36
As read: 10h05
